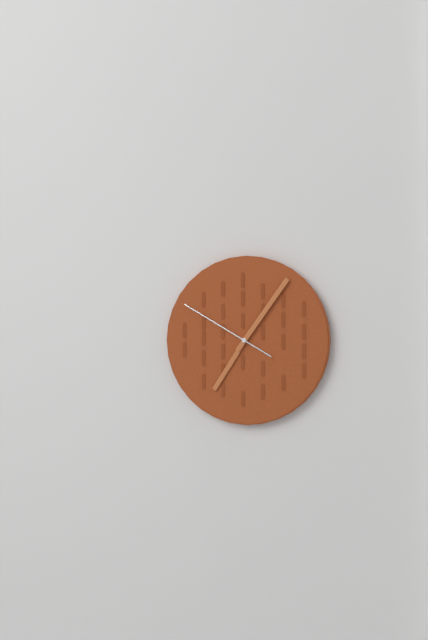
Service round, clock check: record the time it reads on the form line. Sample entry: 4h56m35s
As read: 7h06m50s
